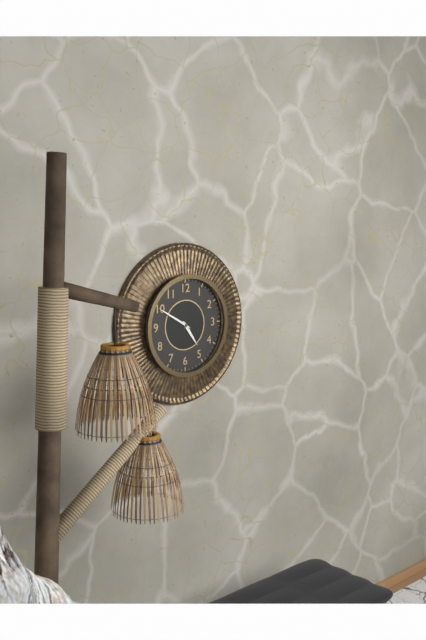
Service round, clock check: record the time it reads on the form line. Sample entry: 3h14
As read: 4h50
